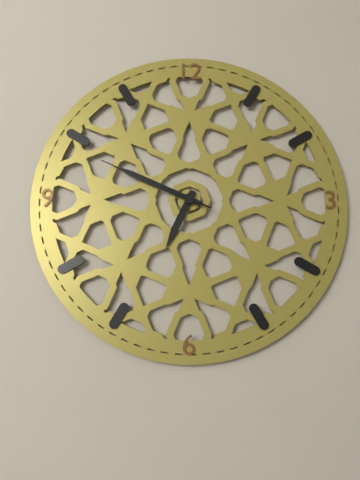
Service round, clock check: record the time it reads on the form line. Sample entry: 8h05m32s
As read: 6h49m49s
